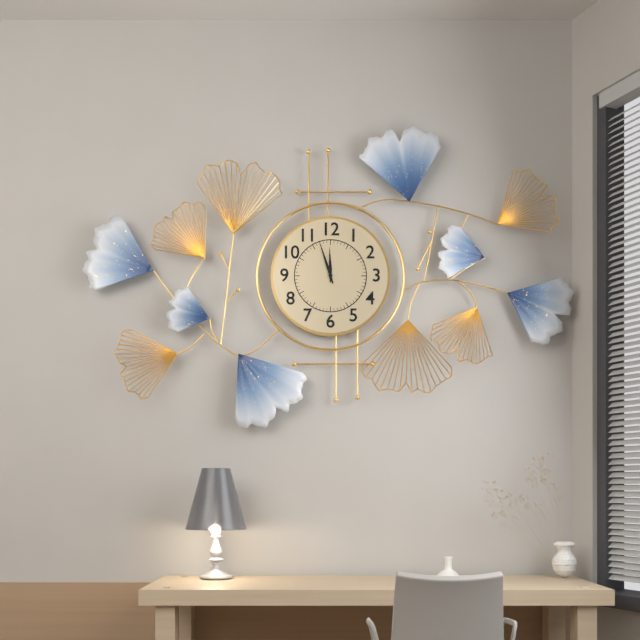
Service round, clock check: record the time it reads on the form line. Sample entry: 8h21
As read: 11h57
